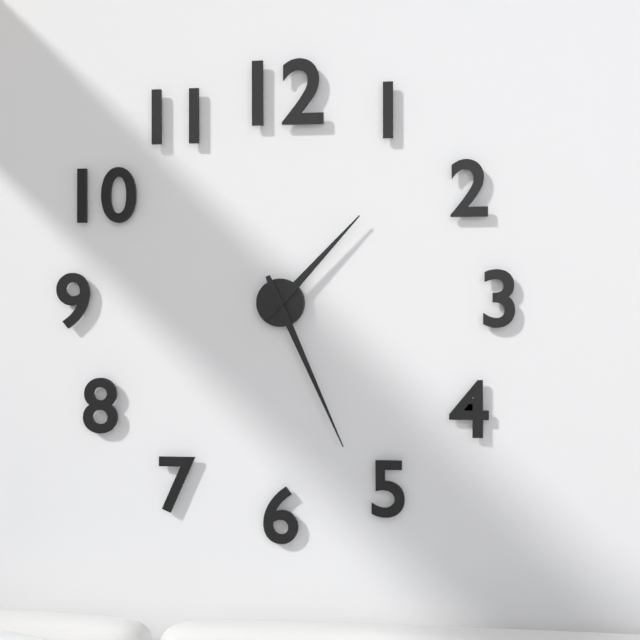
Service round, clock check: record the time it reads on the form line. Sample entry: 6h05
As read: 1h26
